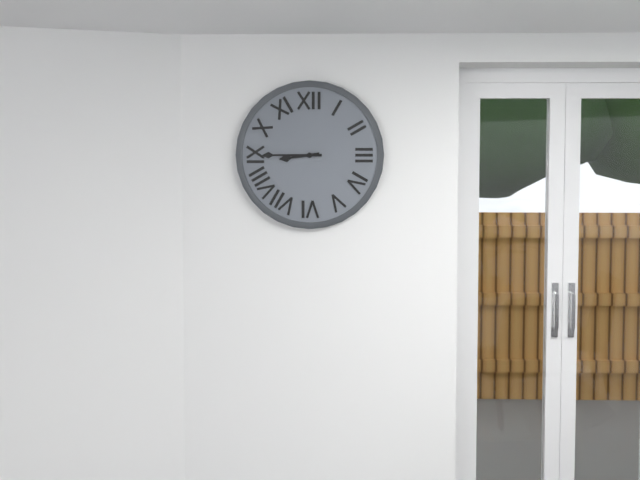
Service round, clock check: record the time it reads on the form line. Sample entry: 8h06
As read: 8h45
